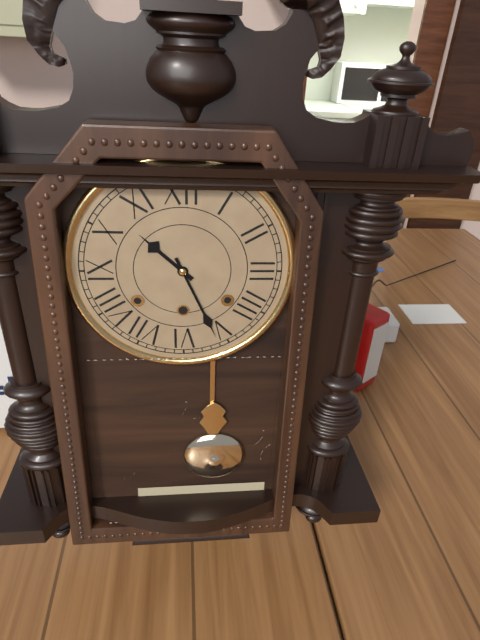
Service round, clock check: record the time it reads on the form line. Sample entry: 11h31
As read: 10h26
